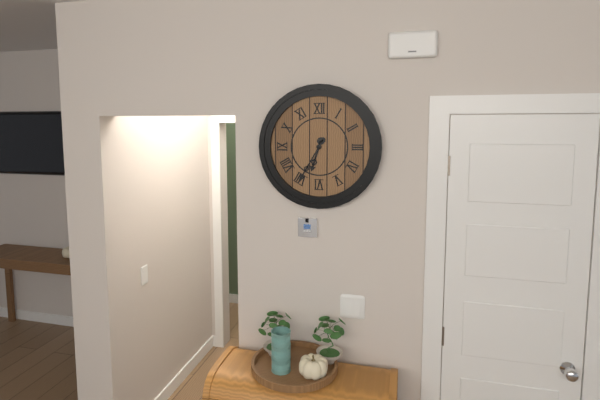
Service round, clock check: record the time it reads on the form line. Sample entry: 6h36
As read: 6h35
